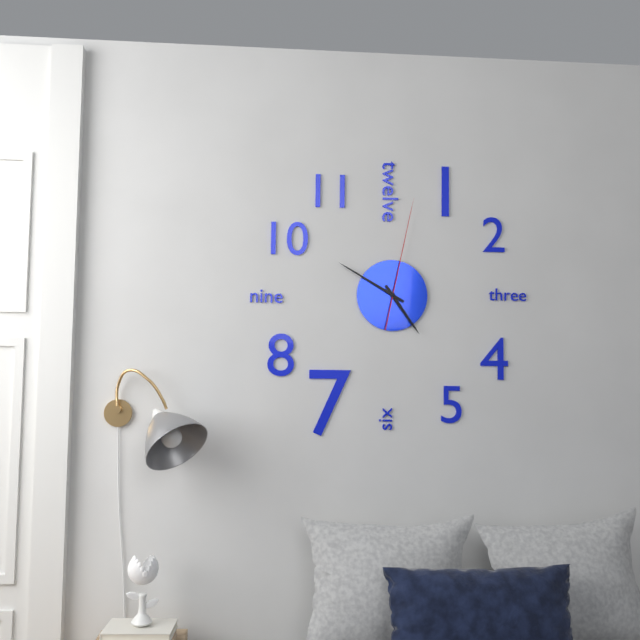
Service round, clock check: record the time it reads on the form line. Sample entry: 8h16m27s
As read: 4h50m02s
